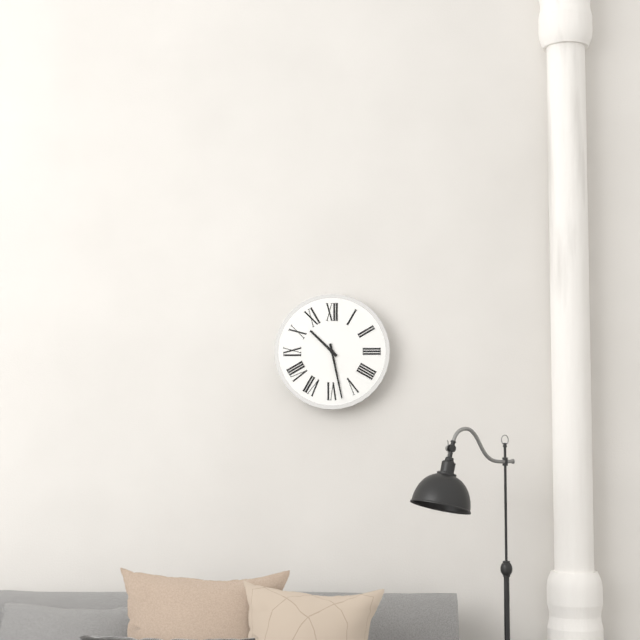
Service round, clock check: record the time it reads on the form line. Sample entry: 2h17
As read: 10h28
